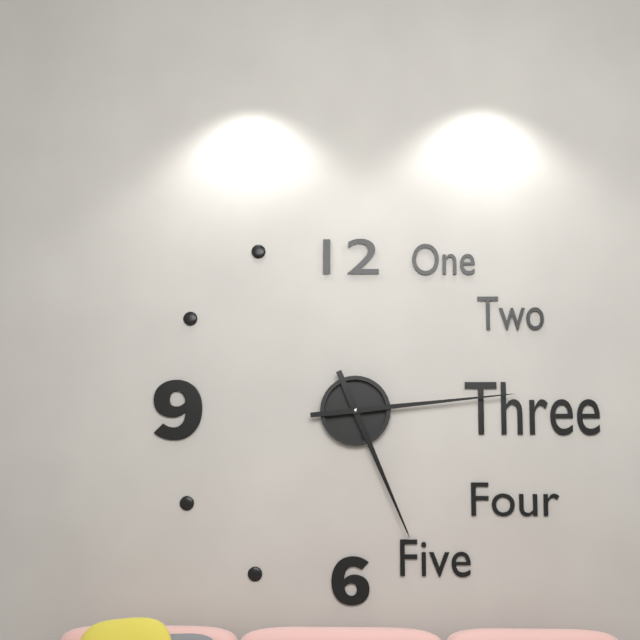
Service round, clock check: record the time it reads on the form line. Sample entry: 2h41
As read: 5h14
